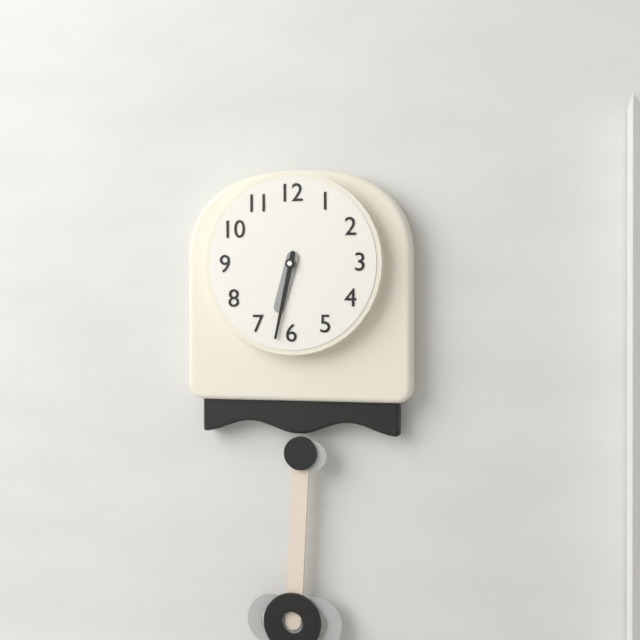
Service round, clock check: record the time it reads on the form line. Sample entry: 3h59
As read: 6h32
